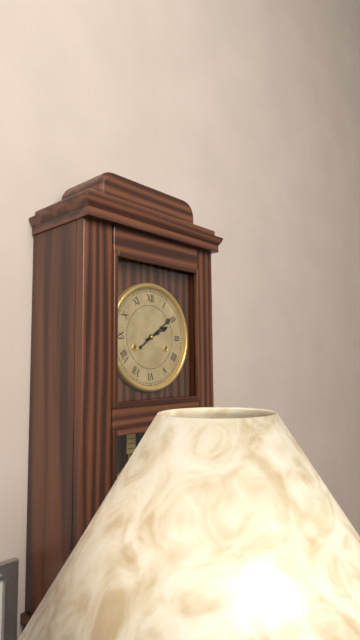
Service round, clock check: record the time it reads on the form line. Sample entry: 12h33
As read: 2h09
